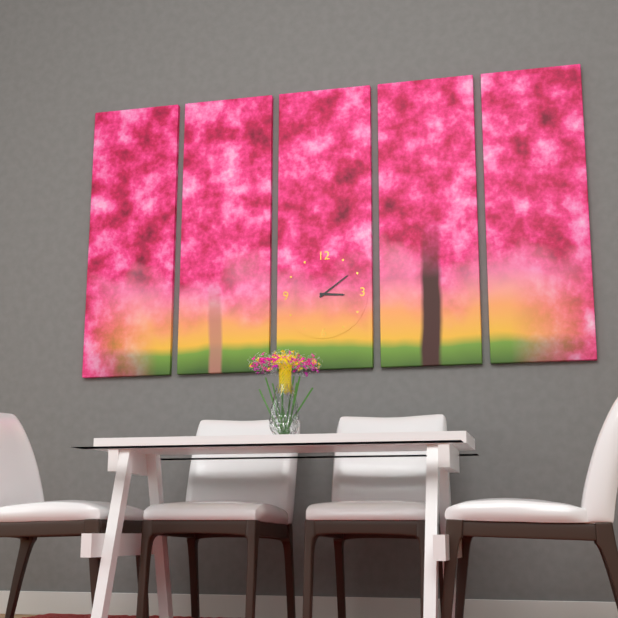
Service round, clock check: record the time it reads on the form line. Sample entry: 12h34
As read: 3h09
